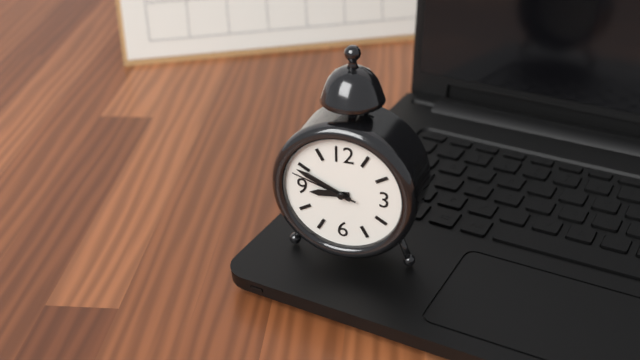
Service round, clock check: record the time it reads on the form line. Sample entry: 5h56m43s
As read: 8h49m48s
